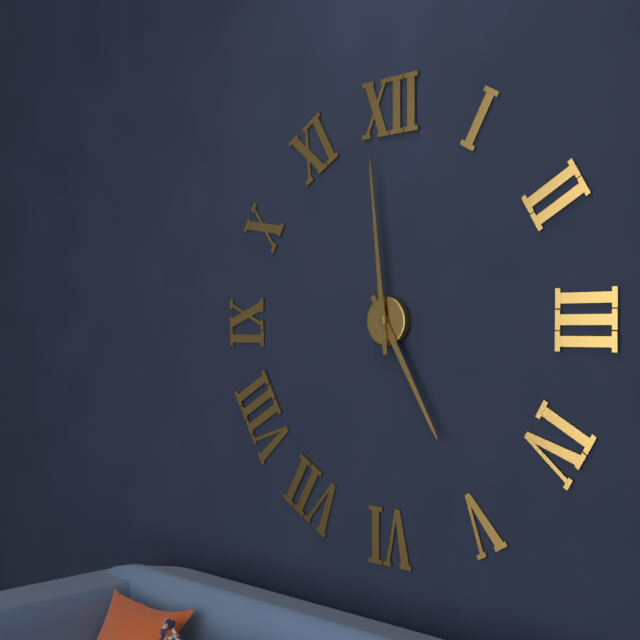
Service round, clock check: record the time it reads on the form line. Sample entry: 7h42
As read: 4h59
